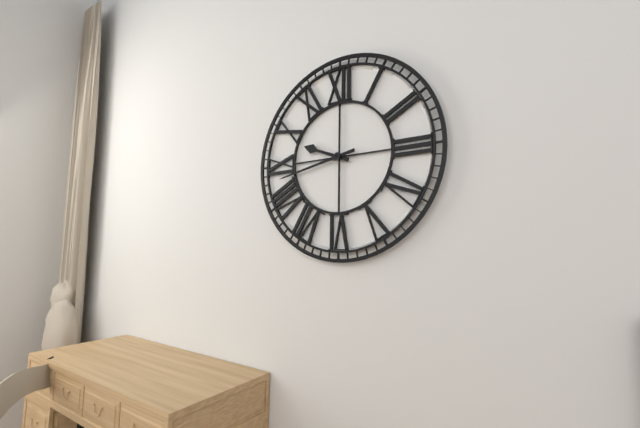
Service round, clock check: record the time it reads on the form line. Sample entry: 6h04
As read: 9h43
